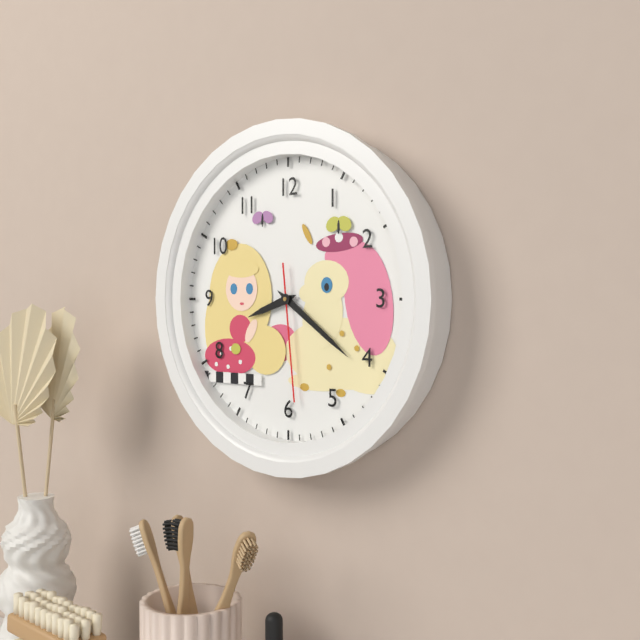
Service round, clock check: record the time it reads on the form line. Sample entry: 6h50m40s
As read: 8h21m29s
